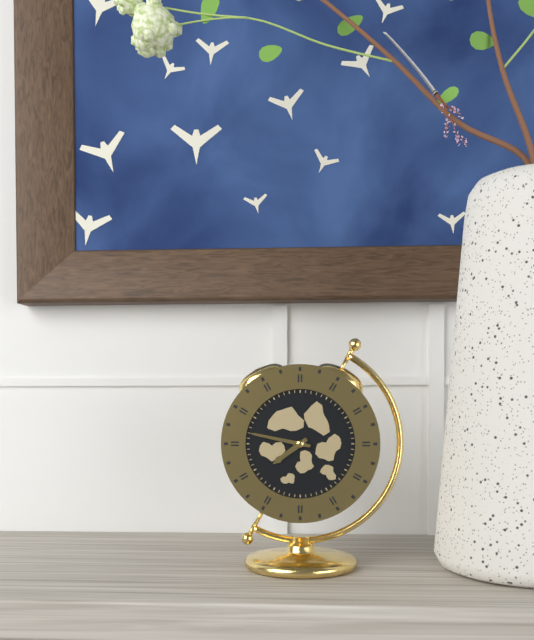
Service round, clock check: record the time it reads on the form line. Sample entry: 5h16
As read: 7h47
